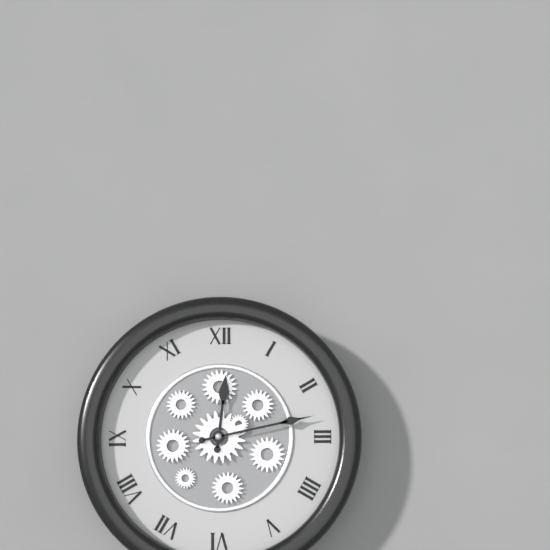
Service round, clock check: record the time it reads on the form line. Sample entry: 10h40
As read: 12h13
